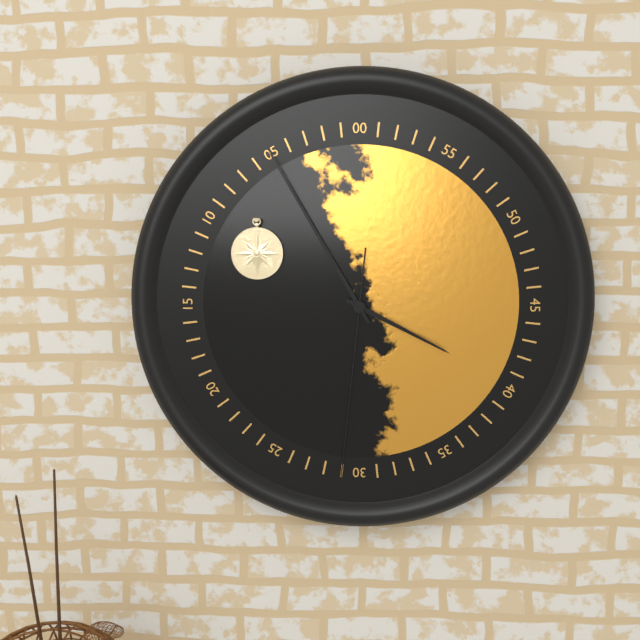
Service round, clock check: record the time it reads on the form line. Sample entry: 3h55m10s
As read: 3h55m31s
